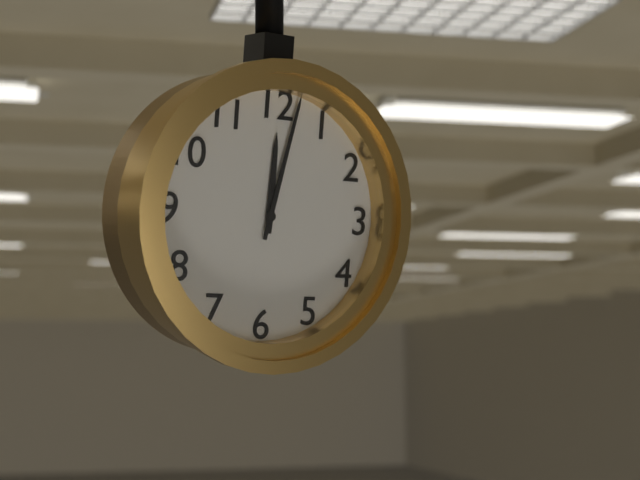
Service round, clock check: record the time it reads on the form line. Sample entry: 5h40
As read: 12h02
